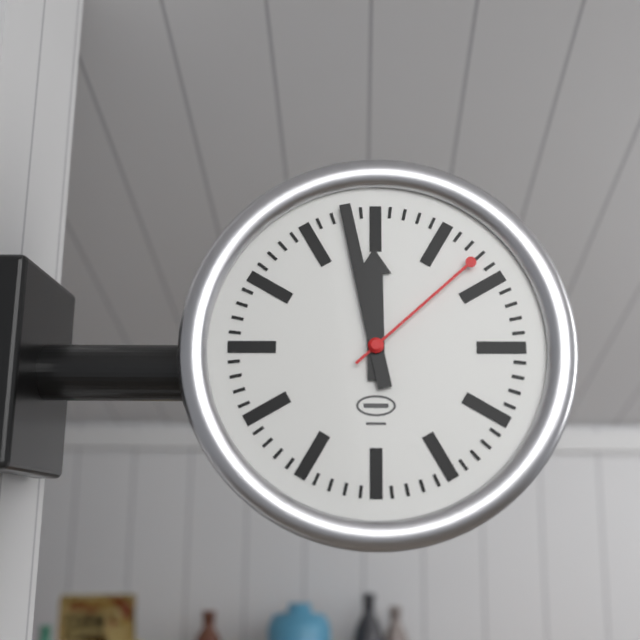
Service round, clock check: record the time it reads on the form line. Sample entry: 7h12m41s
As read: 11h58m08s
